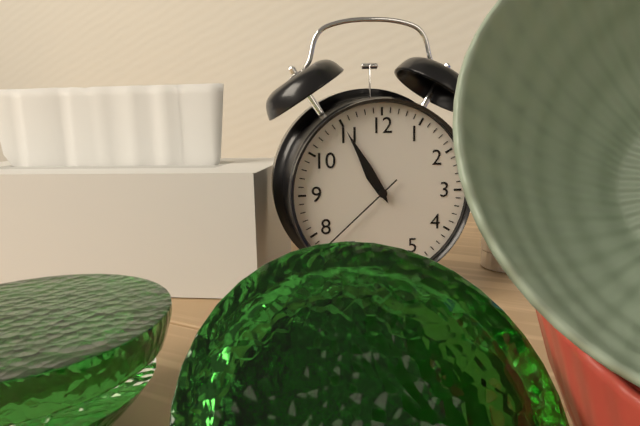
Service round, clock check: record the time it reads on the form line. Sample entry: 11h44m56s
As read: 10h55m38s
